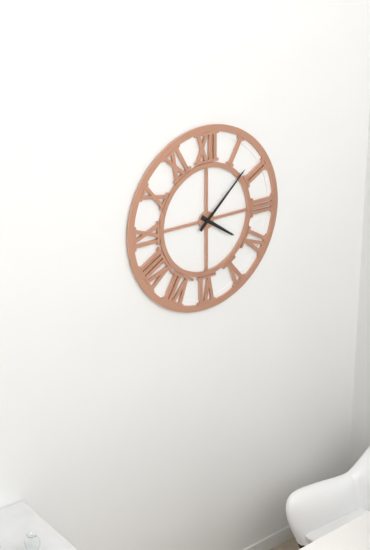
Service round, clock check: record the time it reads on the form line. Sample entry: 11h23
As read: 4h08
